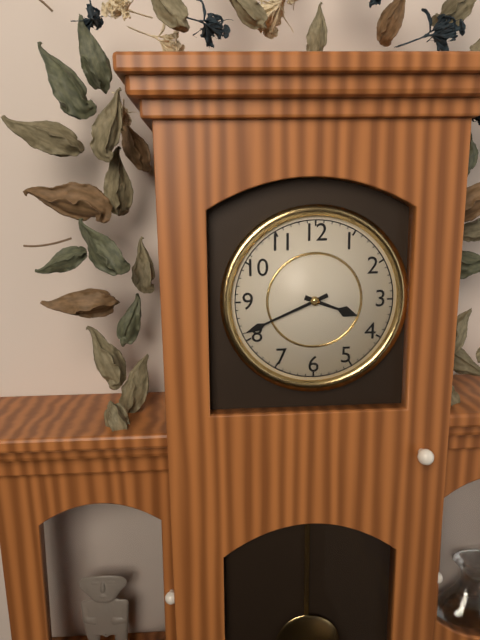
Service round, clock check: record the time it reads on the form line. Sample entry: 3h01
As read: 3h41
